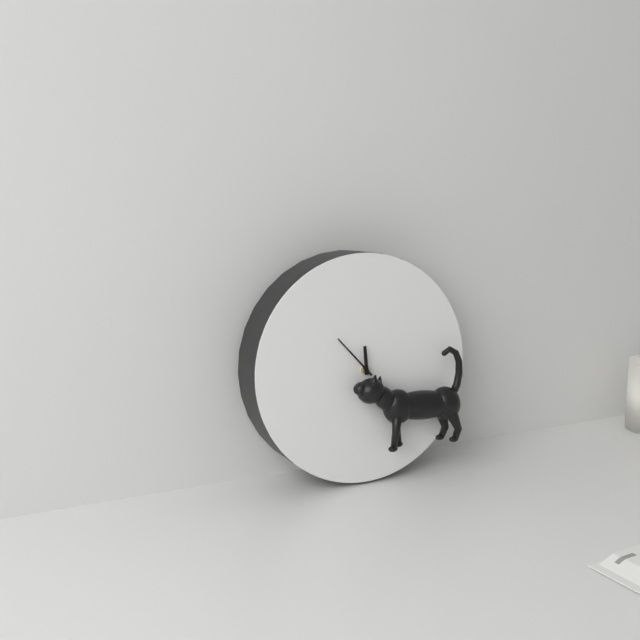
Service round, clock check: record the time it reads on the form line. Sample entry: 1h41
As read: 11h53
